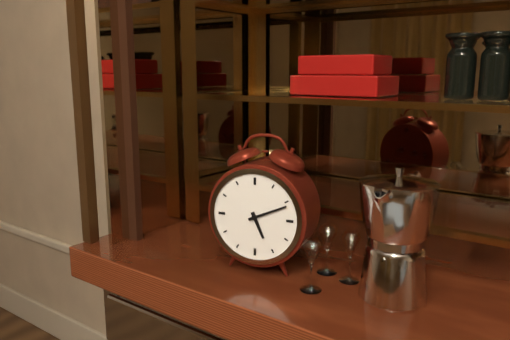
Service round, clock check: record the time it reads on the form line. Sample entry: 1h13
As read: 5h11
